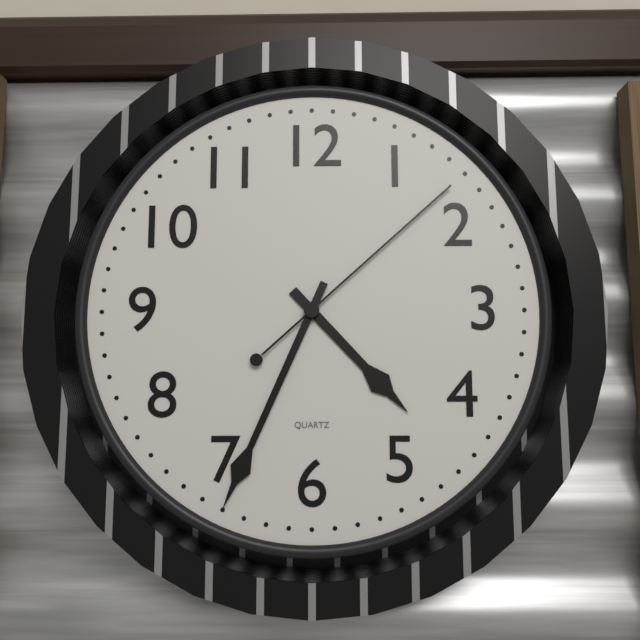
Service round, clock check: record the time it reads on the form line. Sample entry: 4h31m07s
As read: 4h34m08s
